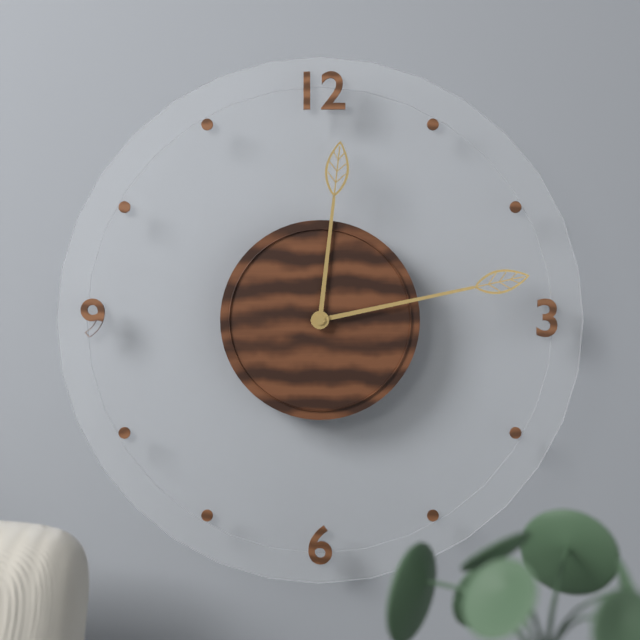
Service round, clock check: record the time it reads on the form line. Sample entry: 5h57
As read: 12h13
